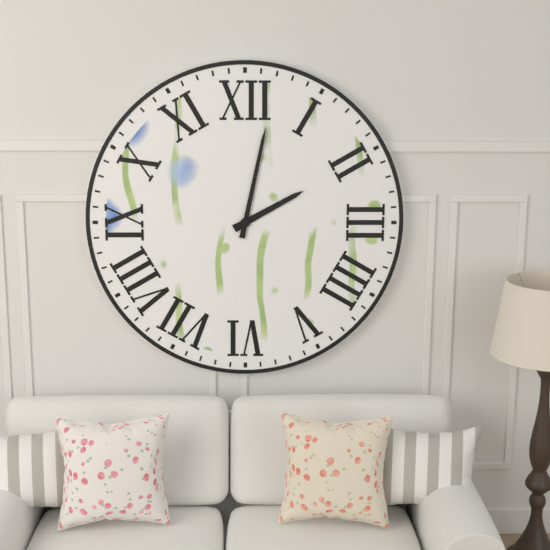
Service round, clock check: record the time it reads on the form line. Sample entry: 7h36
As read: 2h02
